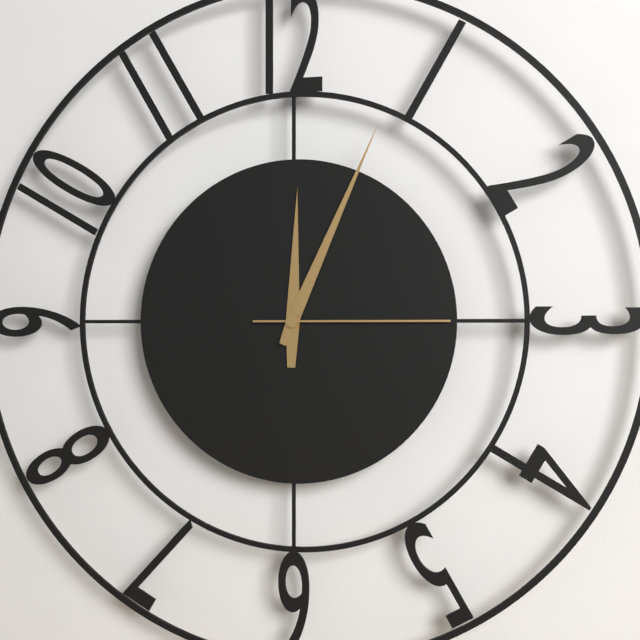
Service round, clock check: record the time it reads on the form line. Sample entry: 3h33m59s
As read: 12h04m15s
